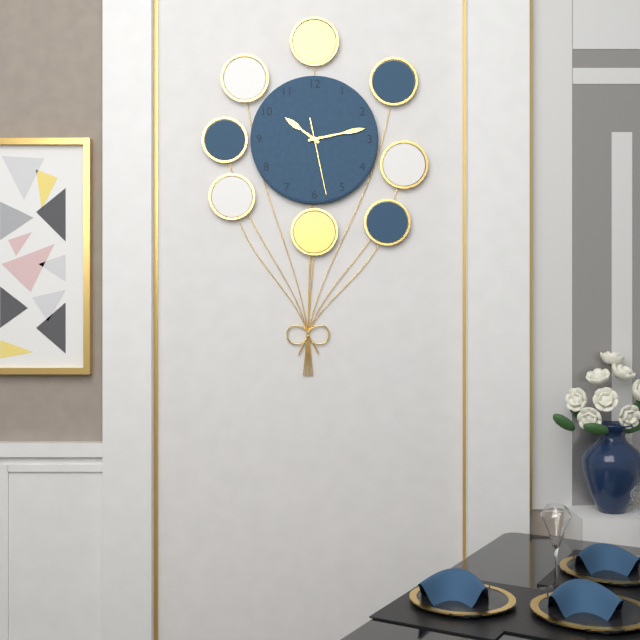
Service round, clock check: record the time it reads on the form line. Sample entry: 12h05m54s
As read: 10h13m28s
